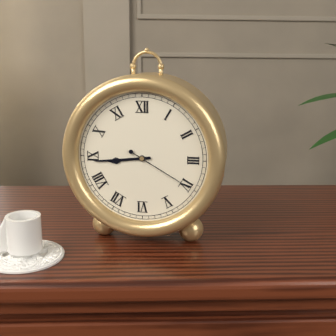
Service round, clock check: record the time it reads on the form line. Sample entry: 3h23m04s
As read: 8h44m20s
